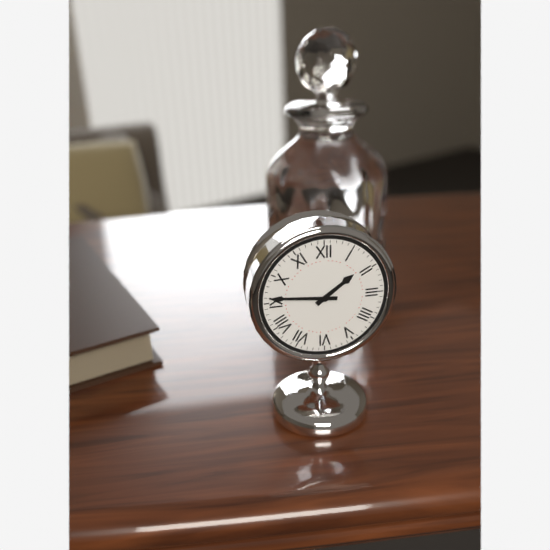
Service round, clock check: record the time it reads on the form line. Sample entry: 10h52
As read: 1h46
